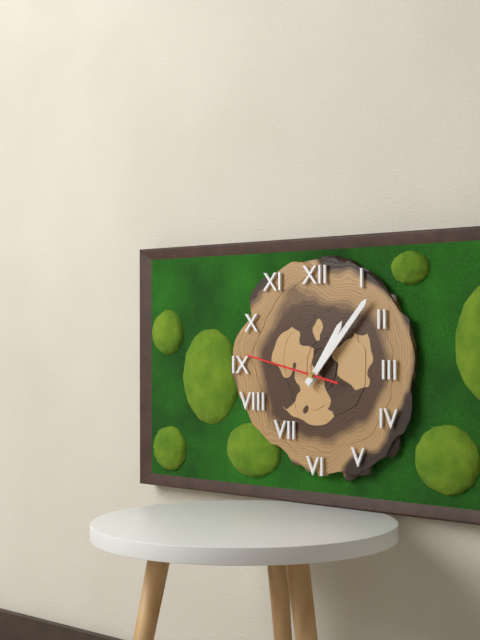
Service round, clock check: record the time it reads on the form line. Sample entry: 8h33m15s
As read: 1h07m47s
